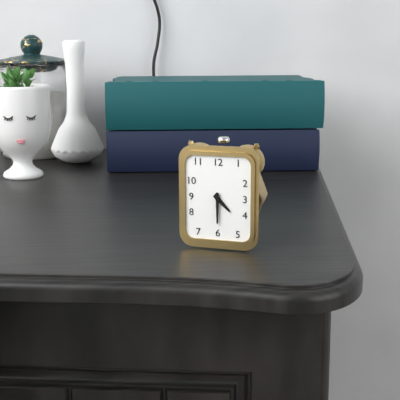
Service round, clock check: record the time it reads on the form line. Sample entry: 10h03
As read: 4h30
